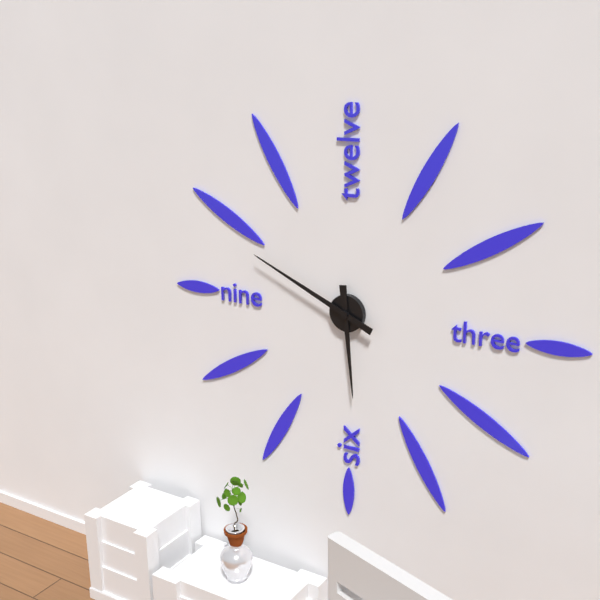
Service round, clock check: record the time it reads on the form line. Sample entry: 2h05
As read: 5h49
